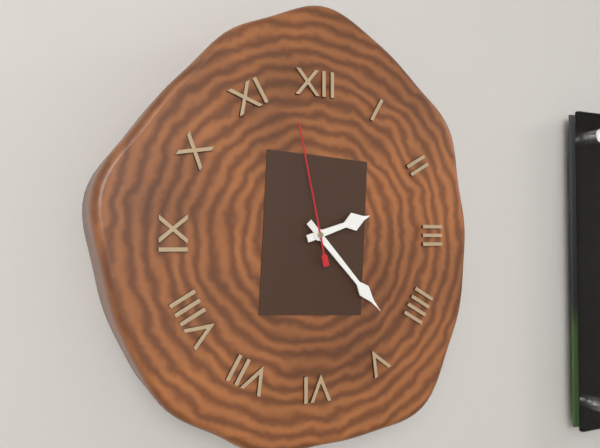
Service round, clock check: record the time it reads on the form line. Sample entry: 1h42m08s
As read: 2h23m58s
